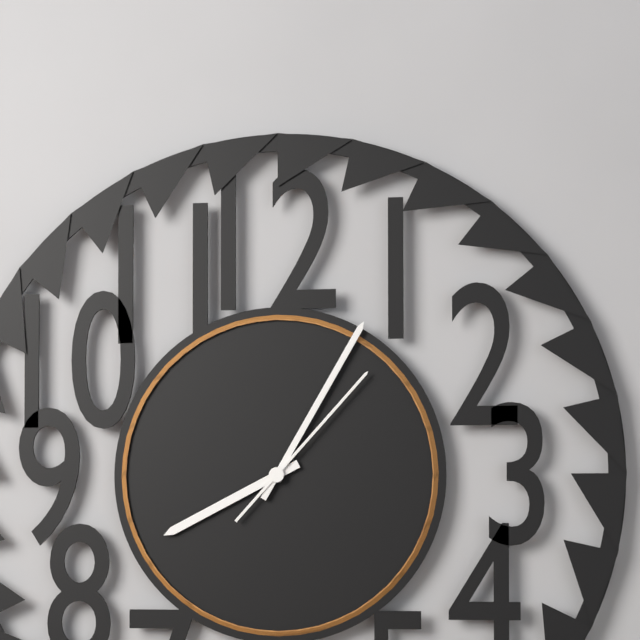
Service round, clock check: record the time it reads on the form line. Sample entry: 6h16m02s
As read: 8h05m07s
